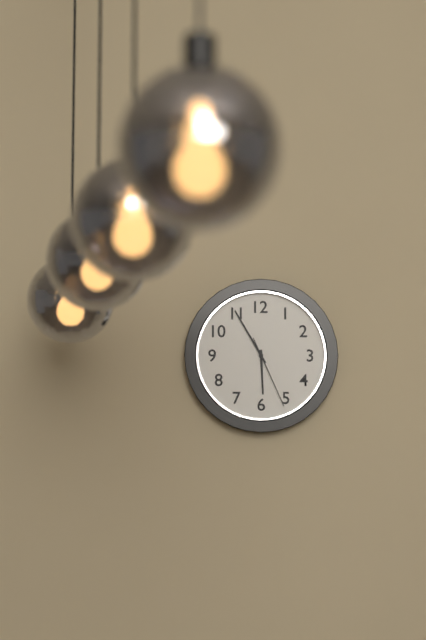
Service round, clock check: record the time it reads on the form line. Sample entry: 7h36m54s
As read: 5h55m26s
